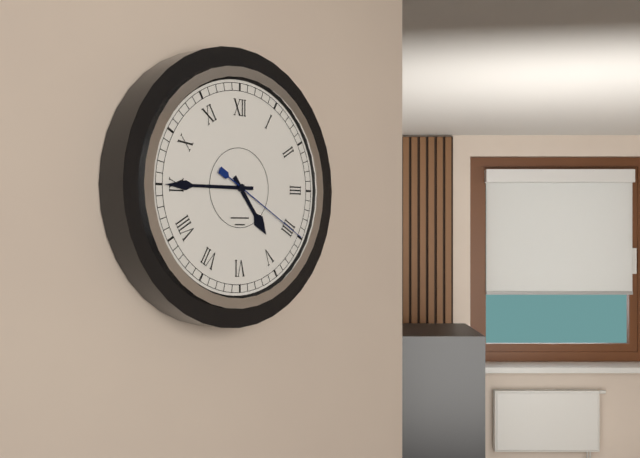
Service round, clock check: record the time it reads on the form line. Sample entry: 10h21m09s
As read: 4h45m20s
